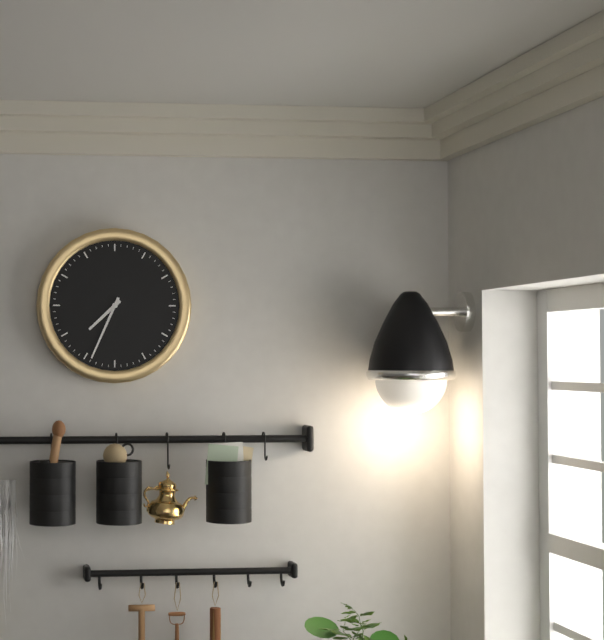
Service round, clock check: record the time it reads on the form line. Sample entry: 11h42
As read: 7h34
